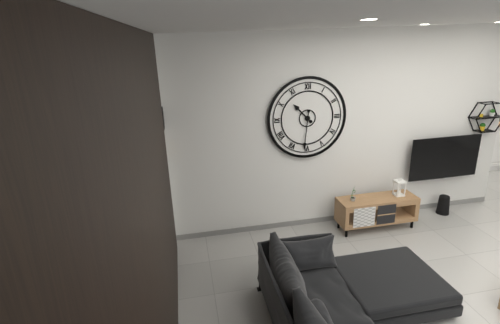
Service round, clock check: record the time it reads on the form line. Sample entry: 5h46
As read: 10h31
